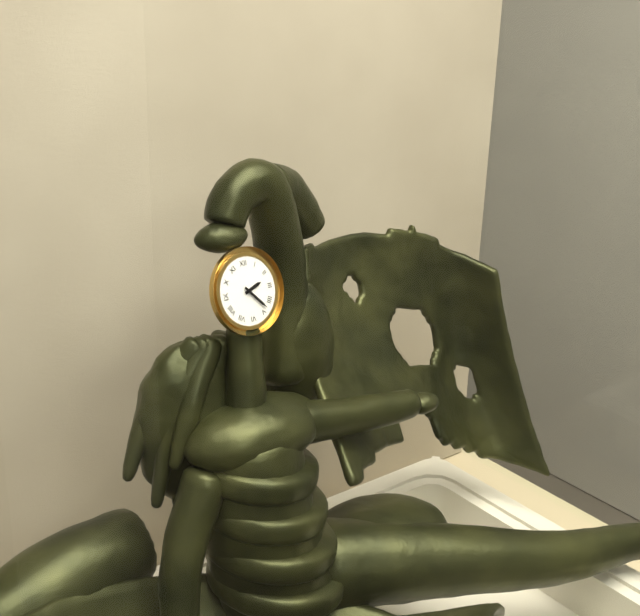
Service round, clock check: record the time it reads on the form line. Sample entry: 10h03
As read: 2h23
